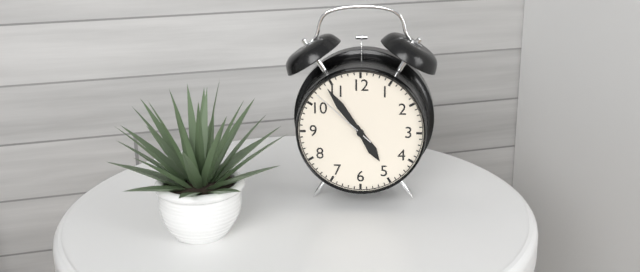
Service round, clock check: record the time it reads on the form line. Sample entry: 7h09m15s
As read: 4h54m52s
